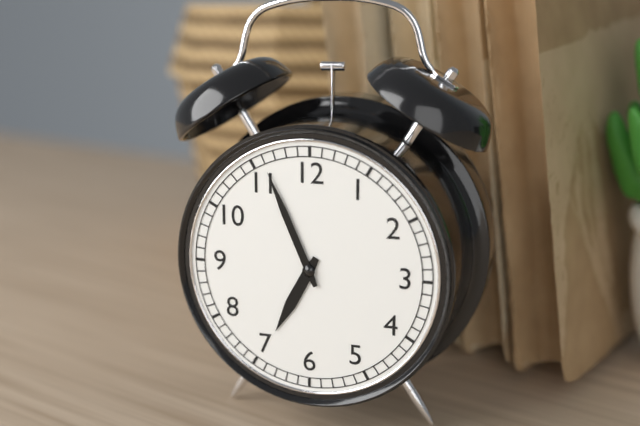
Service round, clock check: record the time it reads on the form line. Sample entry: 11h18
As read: 6h56
